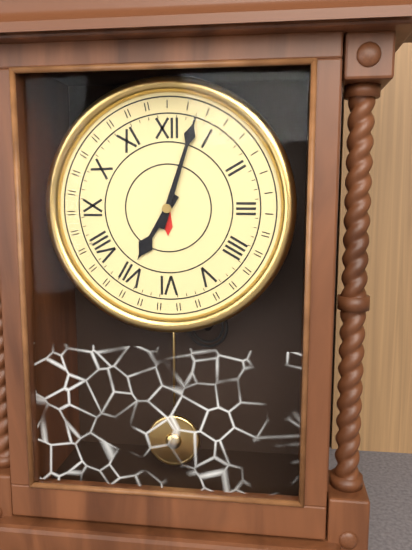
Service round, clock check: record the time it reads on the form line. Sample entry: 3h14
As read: 7h03
